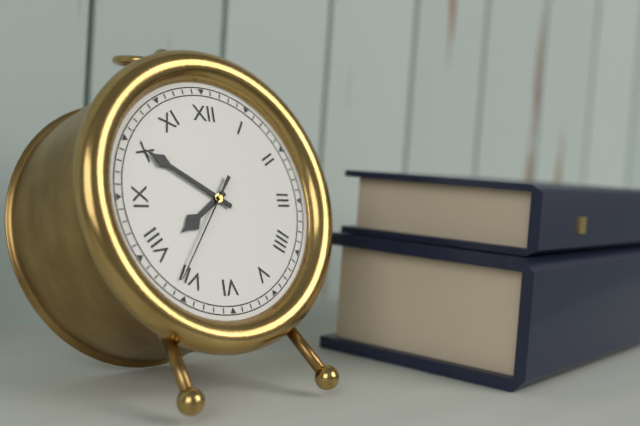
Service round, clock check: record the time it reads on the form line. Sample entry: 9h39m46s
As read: 7h50m36s
